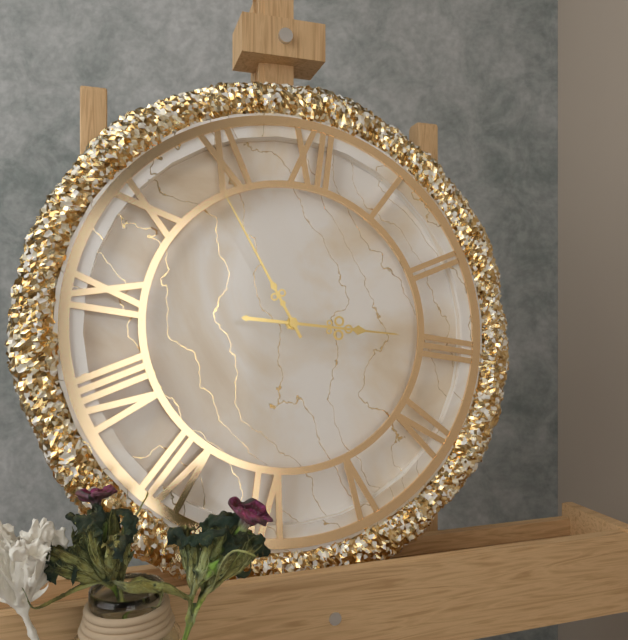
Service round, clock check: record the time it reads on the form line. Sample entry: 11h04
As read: 2h54
